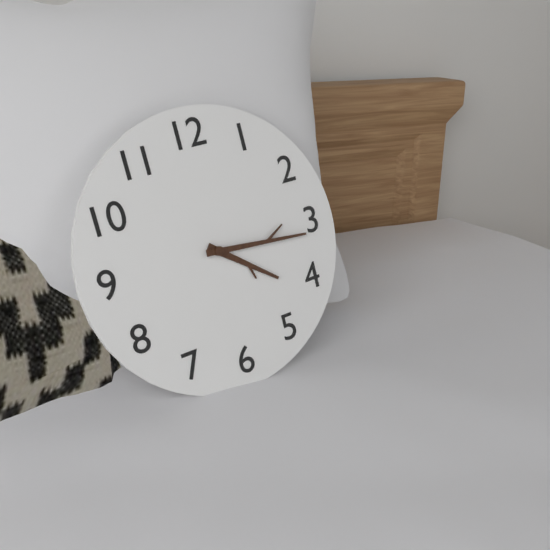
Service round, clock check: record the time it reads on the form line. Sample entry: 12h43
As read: 4h16
